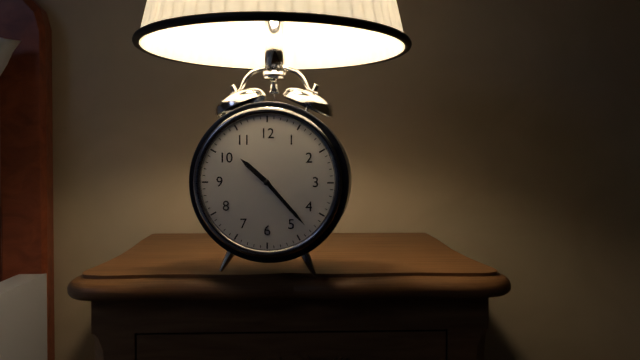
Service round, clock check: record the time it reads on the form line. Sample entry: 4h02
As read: 10h23
